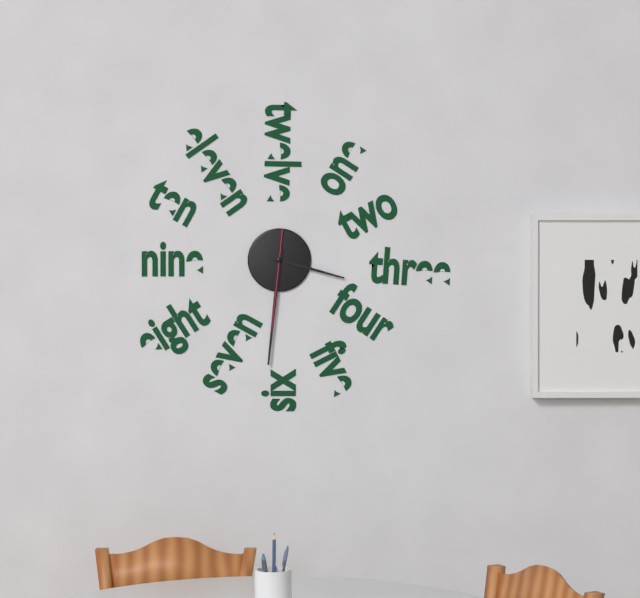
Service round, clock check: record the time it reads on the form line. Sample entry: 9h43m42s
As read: 3h31m31s
